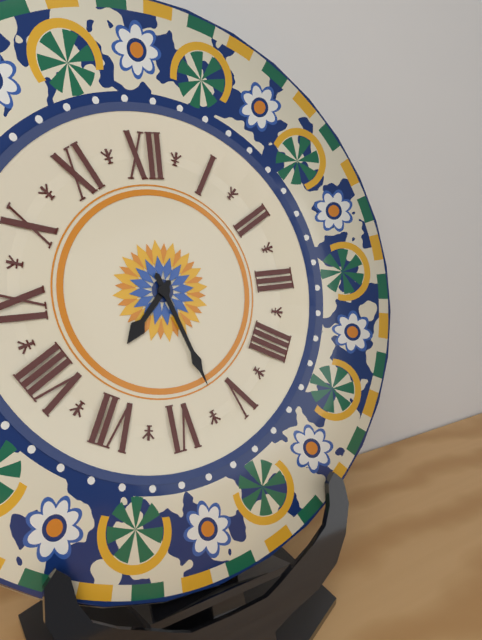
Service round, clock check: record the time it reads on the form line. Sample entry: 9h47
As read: 7h27
